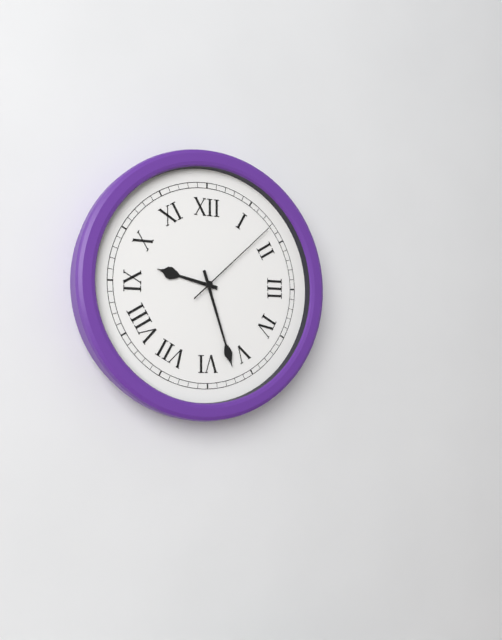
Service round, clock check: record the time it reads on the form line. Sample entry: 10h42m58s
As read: 9h27m08s
